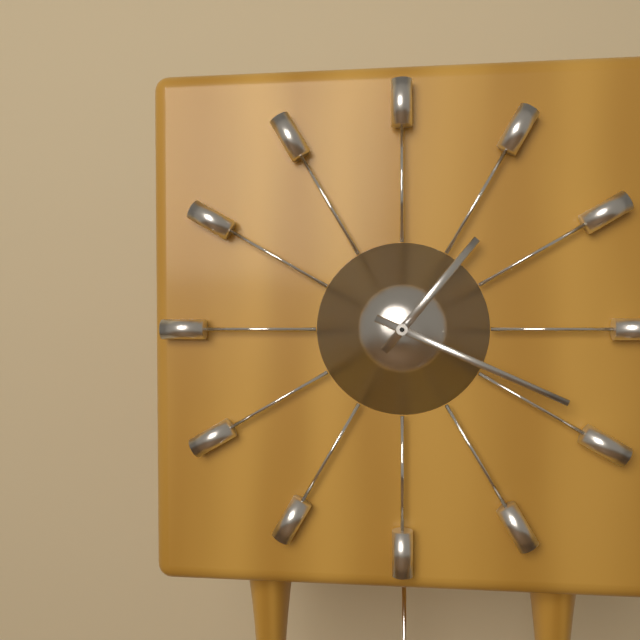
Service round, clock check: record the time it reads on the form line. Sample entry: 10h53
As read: 1h19
